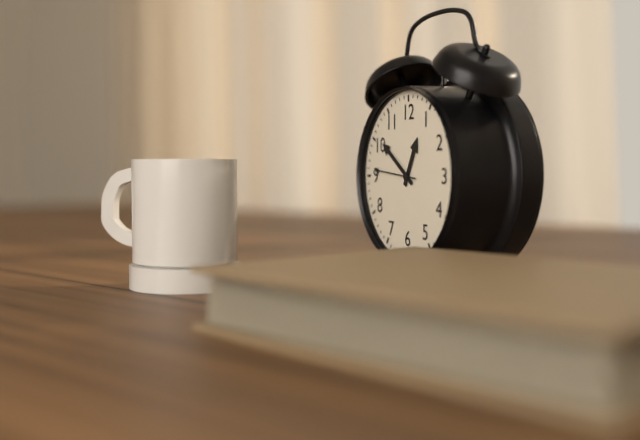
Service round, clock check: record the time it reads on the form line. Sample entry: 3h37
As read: 12h51
